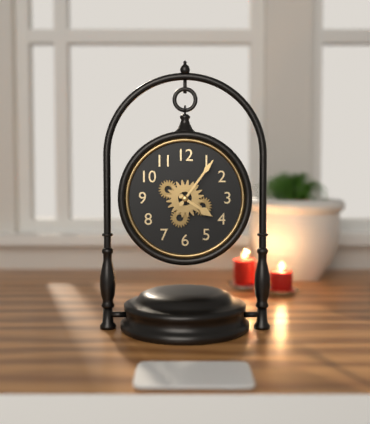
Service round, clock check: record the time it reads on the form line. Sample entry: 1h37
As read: 4h06
